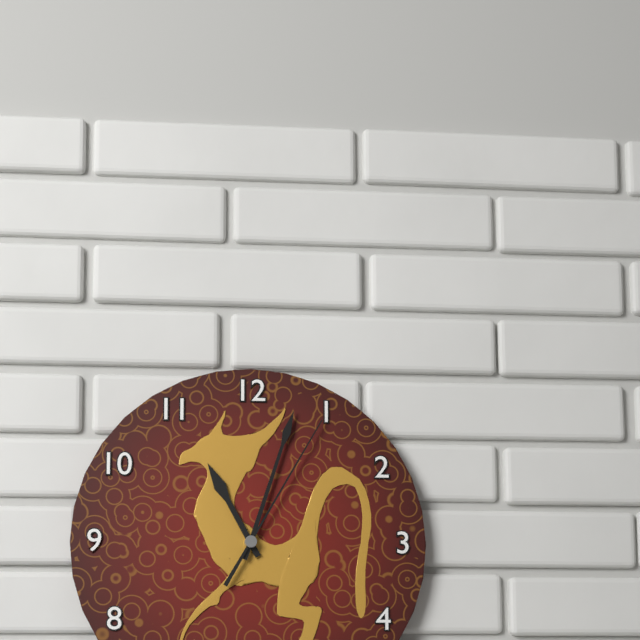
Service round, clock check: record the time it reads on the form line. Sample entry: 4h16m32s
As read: 11h03m05s
